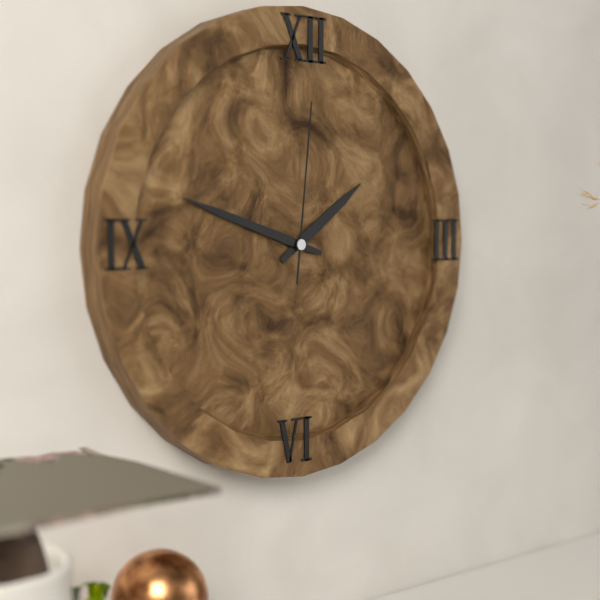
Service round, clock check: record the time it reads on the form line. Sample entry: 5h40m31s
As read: 1h48m01s
